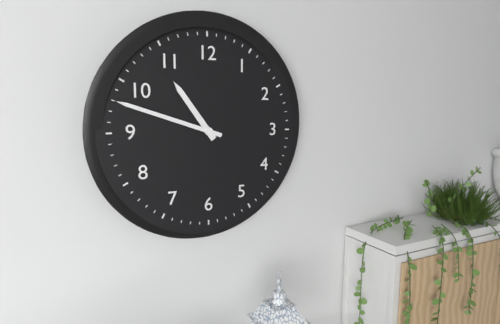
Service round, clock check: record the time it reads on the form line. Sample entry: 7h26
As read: 10h48
